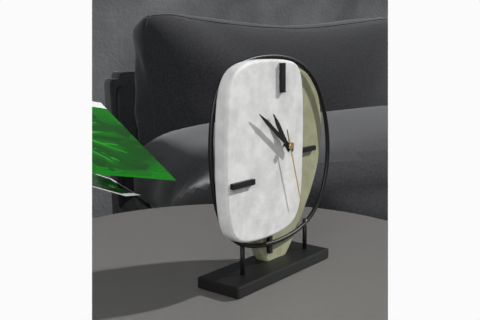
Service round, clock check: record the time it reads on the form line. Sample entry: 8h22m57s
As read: 10h51m27s
